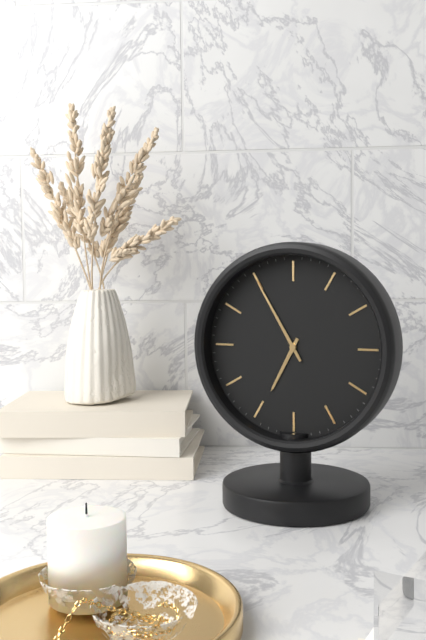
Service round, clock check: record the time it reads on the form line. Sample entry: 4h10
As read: 6h55
